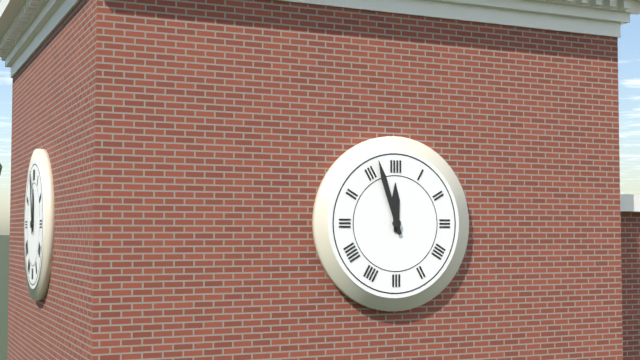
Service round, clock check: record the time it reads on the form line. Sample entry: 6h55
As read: 11h57
